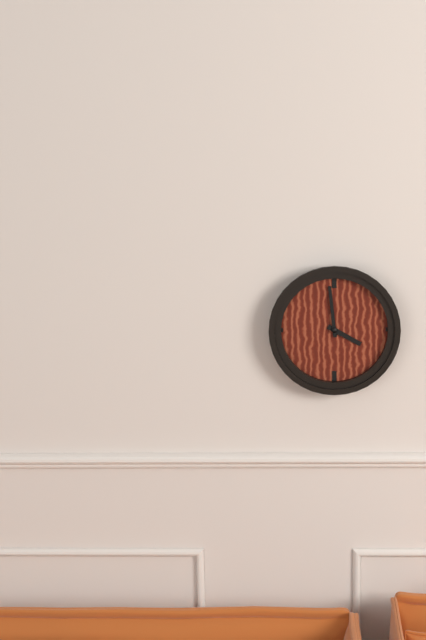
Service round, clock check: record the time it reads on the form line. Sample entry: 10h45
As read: 3h59
